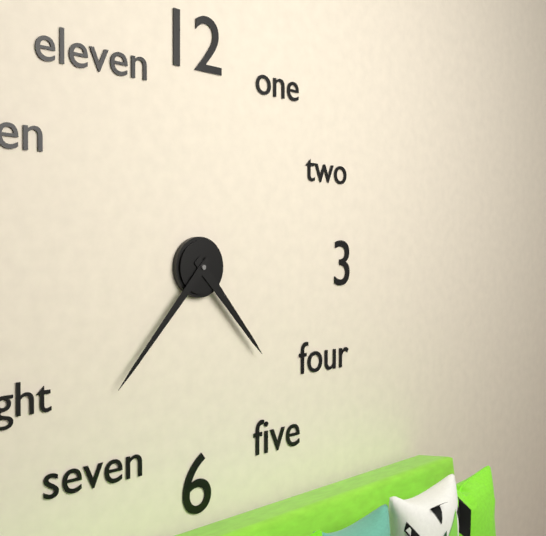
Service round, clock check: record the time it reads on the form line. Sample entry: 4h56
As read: 4h37
